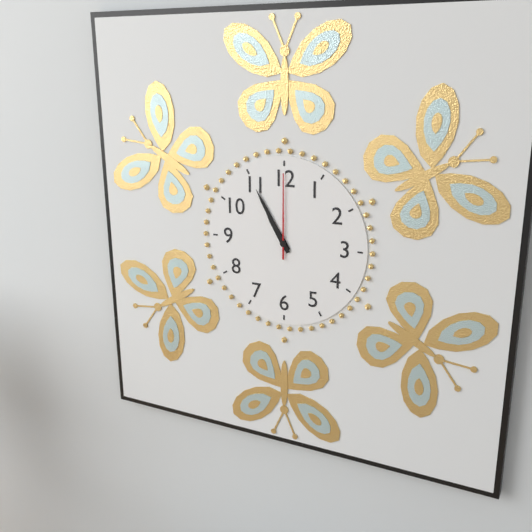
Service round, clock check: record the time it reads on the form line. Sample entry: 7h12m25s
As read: 10h55m00s
